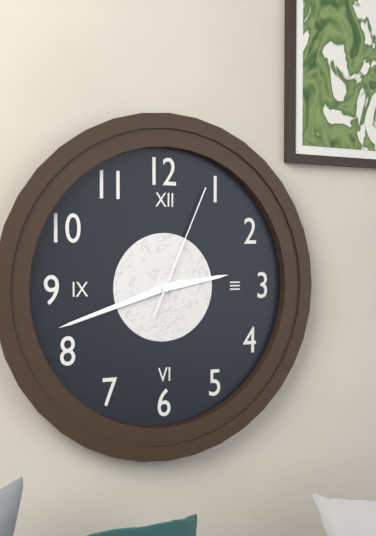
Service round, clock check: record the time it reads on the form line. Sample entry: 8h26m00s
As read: 2h42m04s
